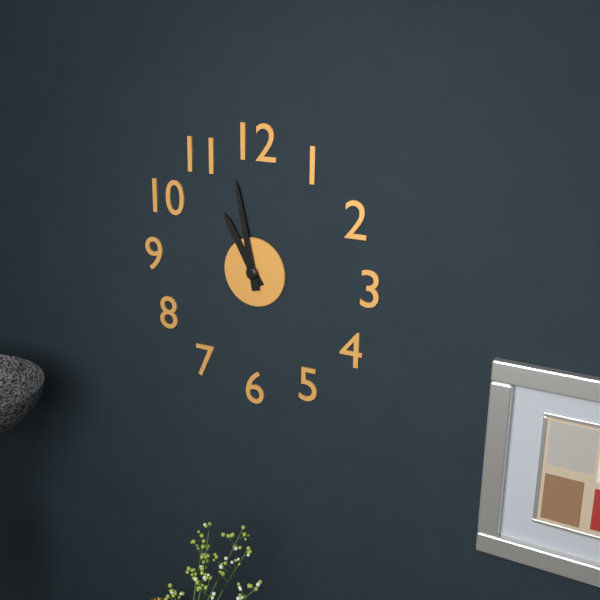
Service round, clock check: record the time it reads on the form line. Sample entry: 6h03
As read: 10h58
